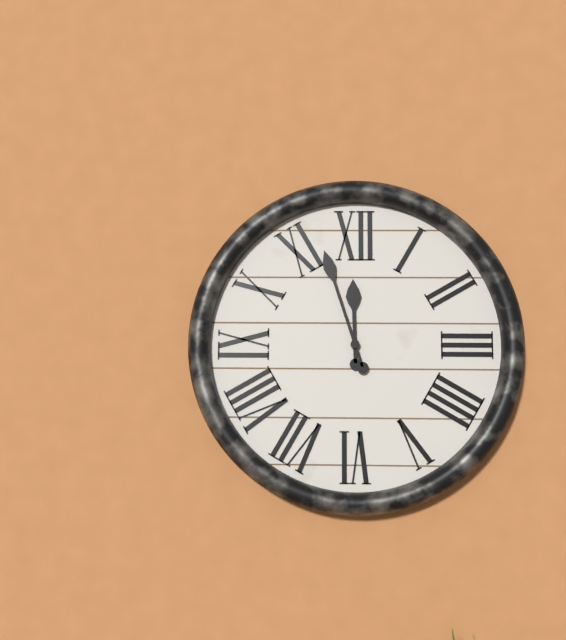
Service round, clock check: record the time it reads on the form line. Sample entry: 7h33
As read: 11h57
